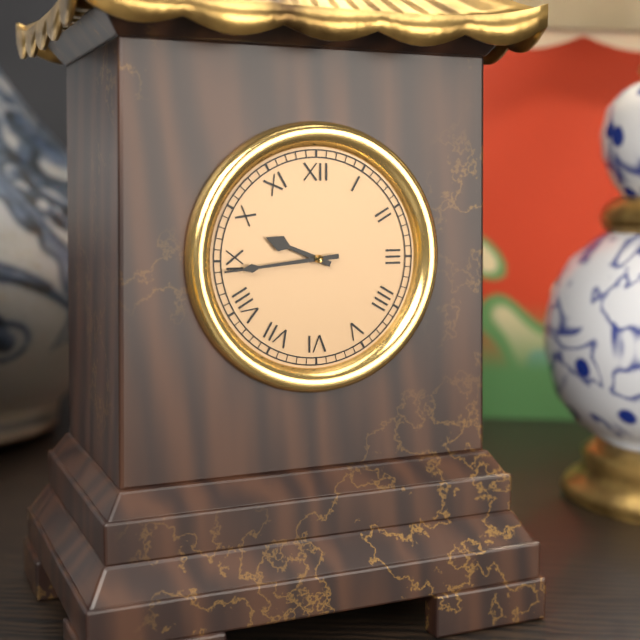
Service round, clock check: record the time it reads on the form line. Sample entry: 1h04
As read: 9h44
